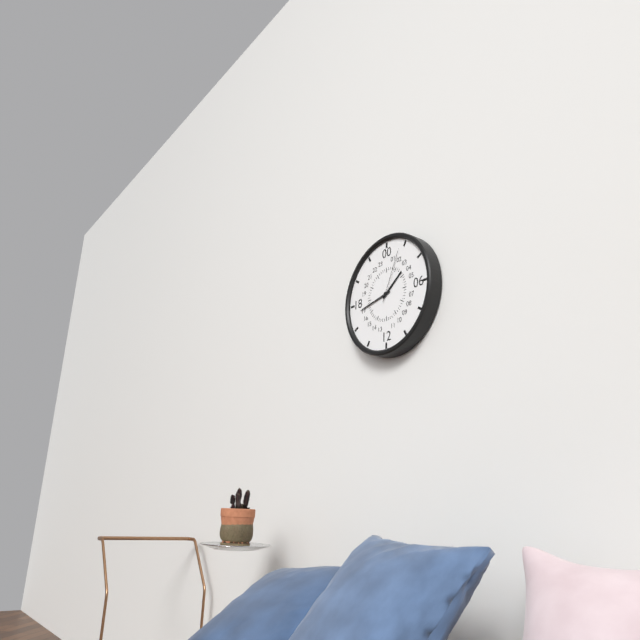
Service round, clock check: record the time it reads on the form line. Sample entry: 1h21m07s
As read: 1h43m04s
